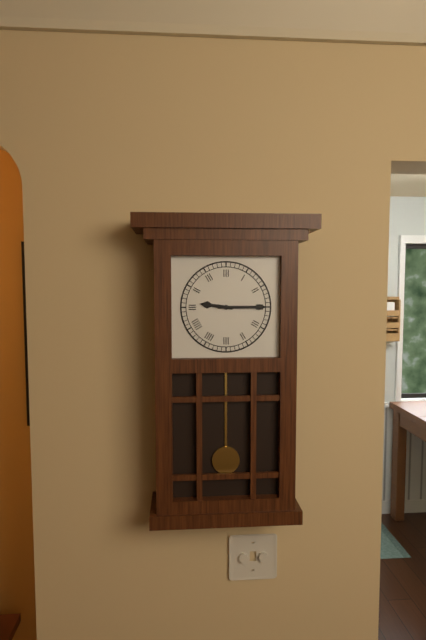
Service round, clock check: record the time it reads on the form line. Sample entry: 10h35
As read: 9h15
